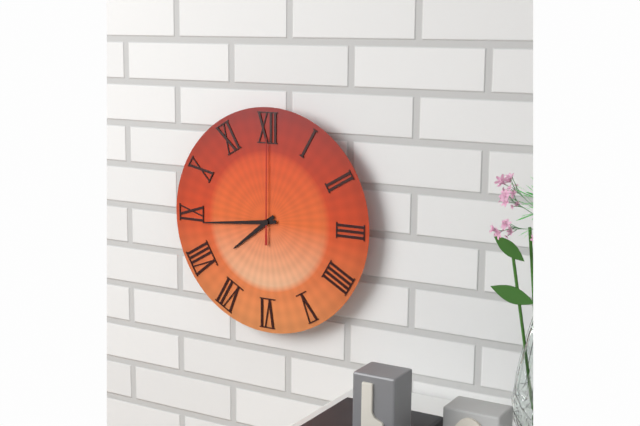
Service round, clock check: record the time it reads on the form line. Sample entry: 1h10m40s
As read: 7h44m00s
